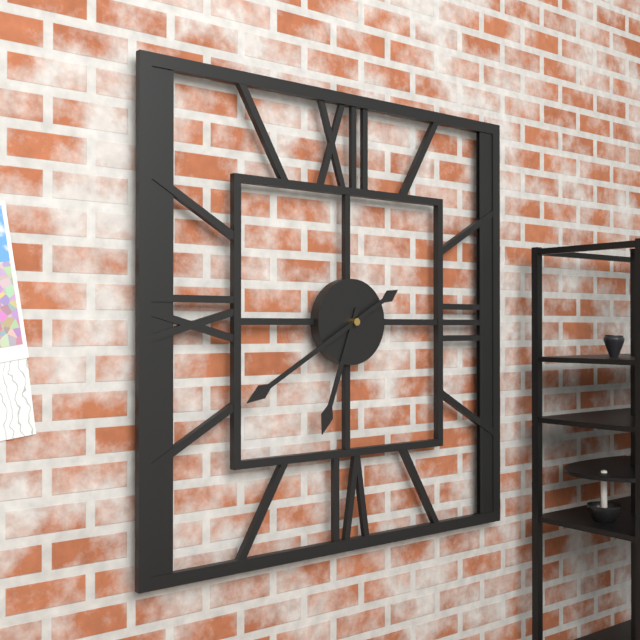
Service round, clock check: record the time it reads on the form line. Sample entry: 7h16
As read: 6h40
